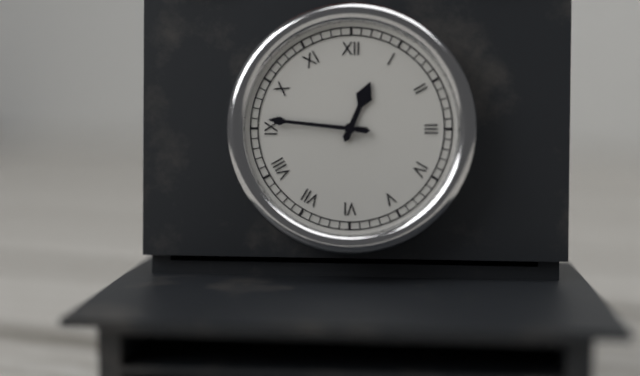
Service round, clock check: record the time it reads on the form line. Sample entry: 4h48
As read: 12h46
